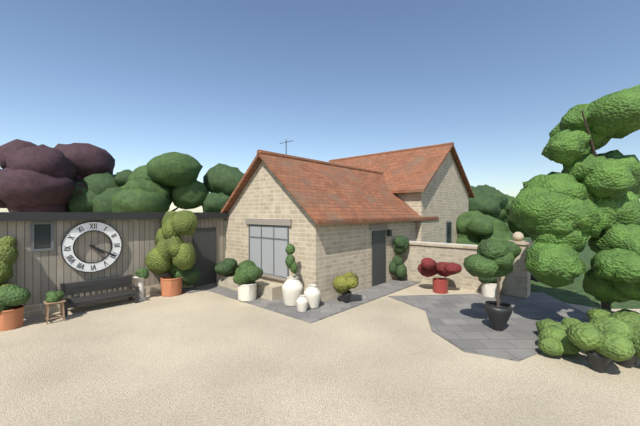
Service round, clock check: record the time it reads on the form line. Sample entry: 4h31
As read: 4h20
